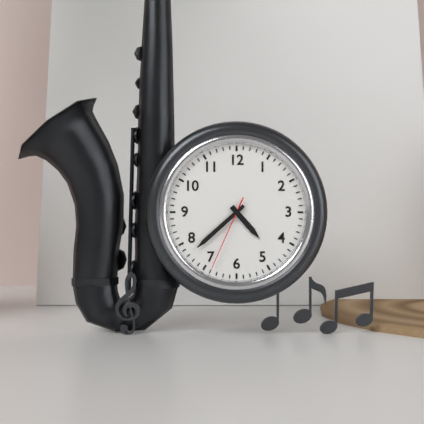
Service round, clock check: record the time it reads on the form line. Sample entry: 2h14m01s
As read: 4h38m34s
